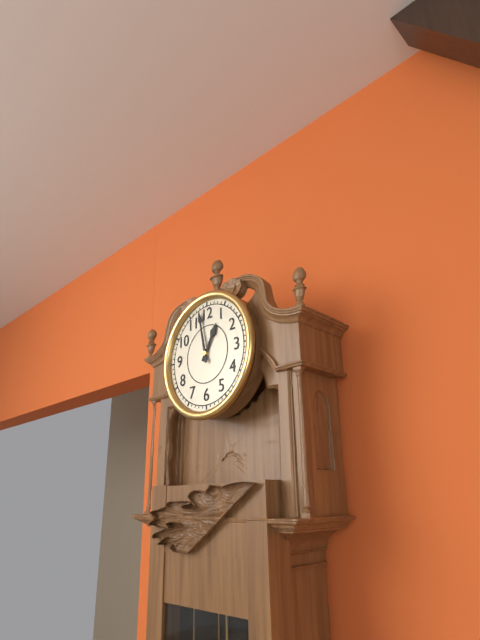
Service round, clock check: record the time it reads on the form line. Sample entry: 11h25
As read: 12h58
